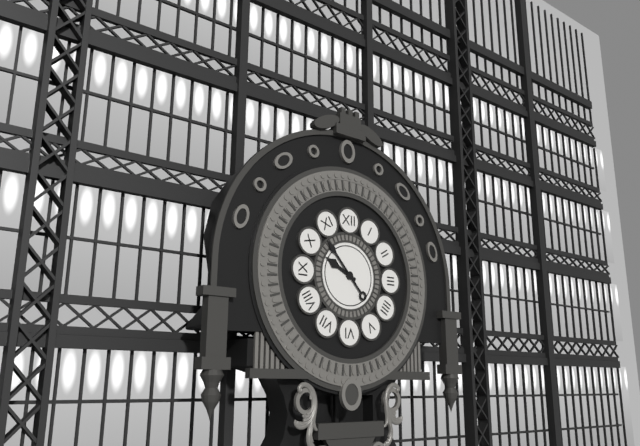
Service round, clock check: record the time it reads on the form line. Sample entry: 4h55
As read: 9h53
